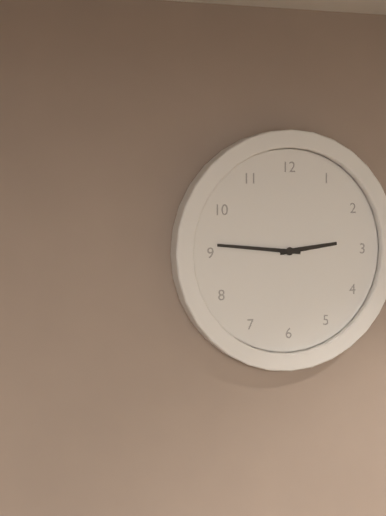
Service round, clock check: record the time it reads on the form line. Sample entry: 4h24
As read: 2h46
